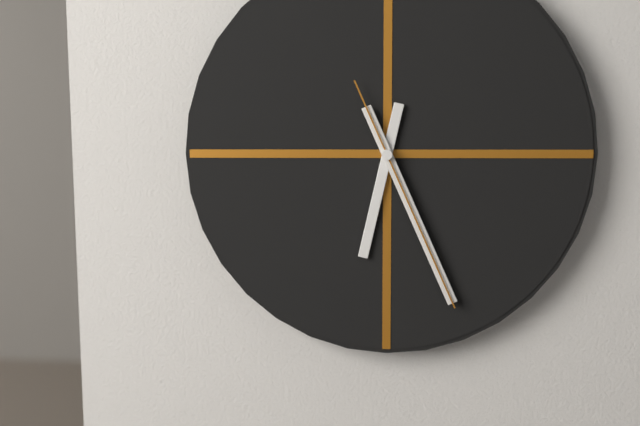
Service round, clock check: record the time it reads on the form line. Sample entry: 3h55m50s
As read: 6h26m26s
